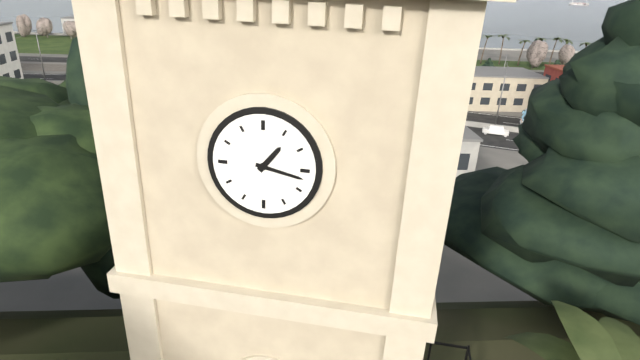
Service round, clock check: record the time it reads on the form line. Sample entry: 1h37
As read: 1h17
